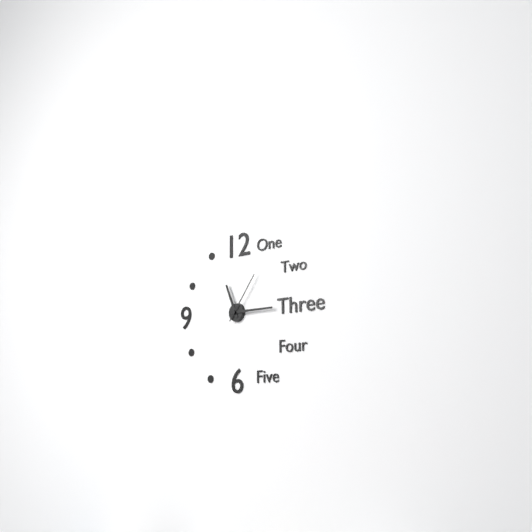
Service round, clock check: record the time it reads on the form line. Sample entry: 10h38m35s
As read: 11h15m06s
